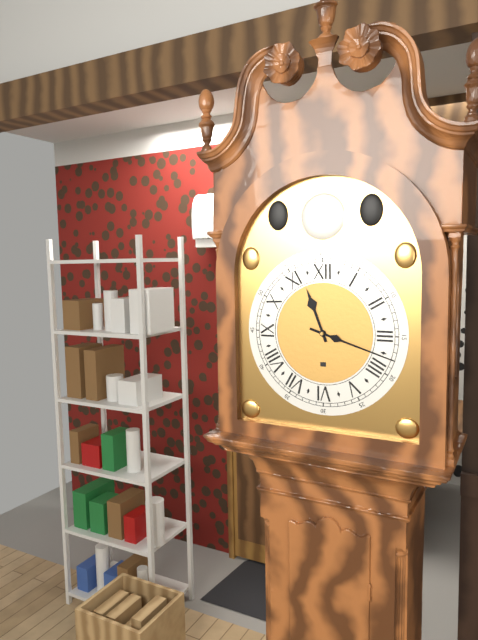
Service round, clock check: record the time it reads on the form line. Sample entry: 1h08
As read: 11h18
